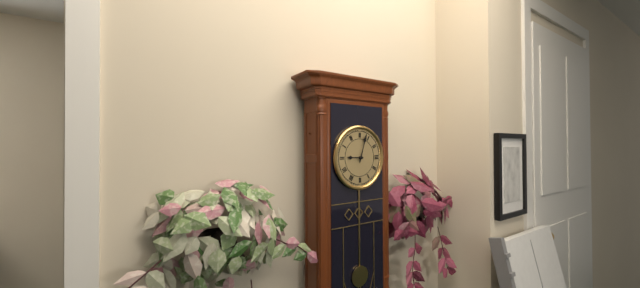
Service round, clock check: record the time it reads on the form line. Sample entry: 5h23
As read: 9h03
